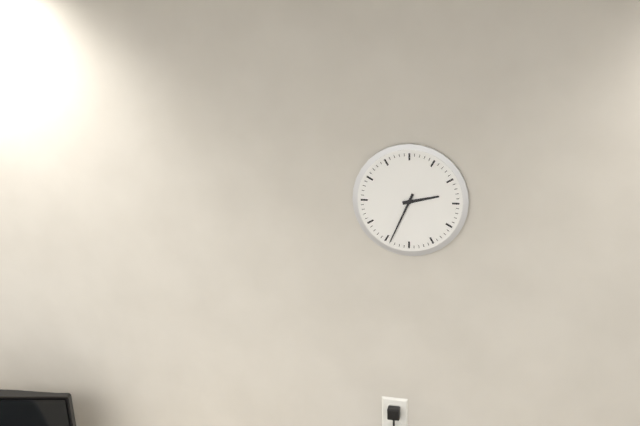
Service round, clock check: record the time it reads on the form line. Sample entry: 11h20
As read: 2h34
